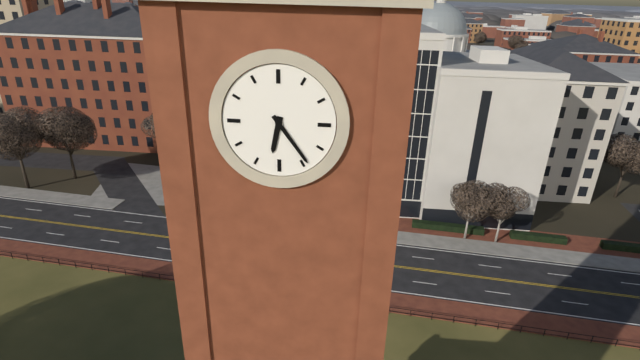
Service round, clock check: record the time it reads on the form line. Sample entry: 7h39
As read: 6h24
